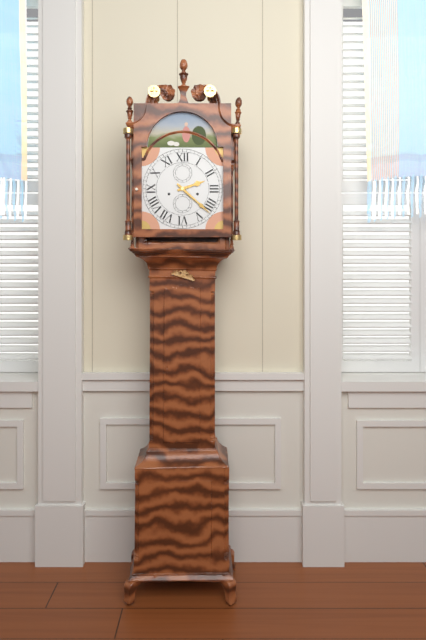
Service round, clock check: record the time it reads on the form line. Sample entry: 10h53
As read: 2h22
